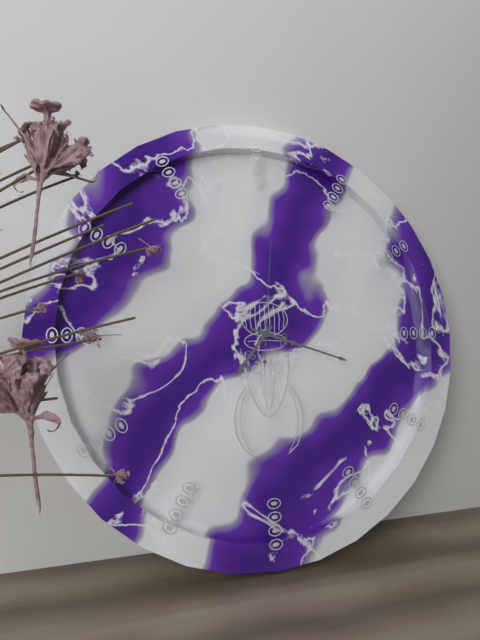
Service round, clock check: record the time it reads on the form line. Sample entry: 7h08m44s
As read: 7h18m01s
